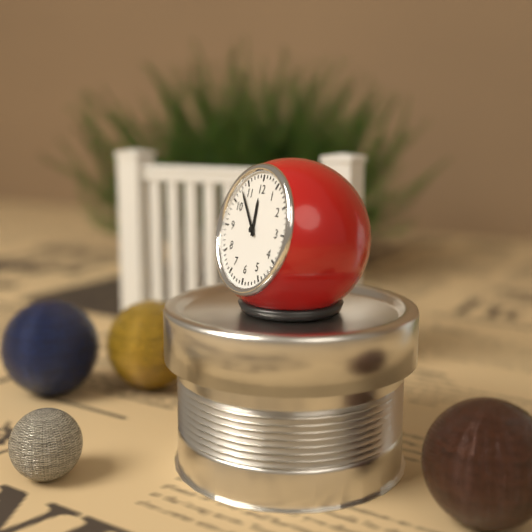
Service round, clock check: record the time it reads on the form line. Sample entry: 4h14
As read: 11h53
